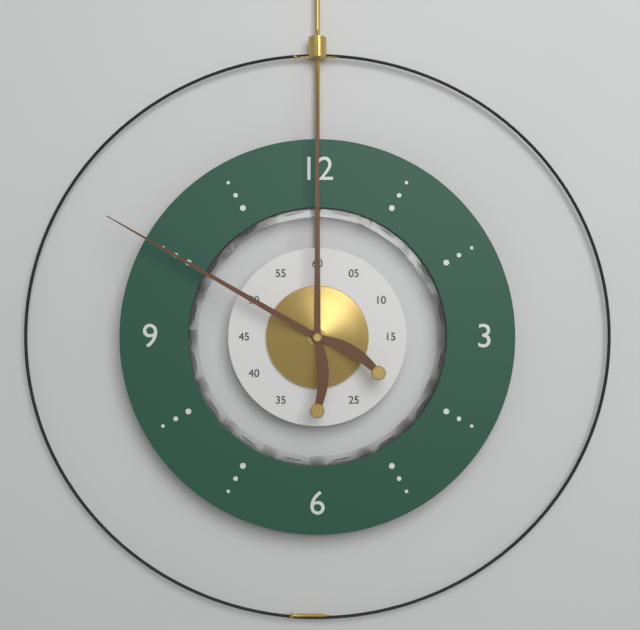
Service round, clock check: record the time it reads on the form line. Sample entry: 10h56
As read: 10h00
